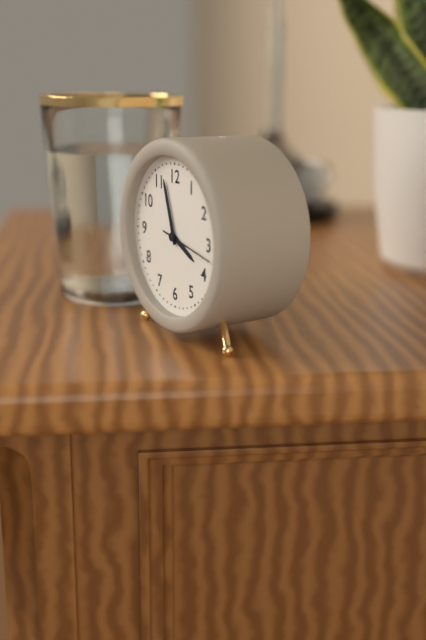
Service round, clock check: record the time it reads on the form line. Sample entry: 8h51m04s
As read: 3h57m17s
